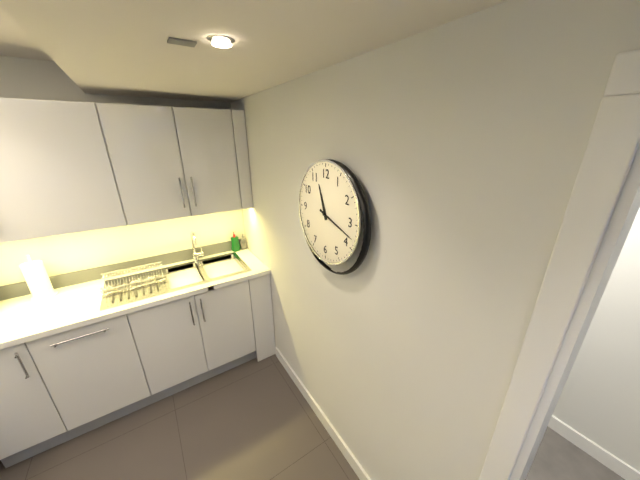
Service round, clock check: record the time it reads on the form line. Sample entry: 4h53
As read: 11h18
